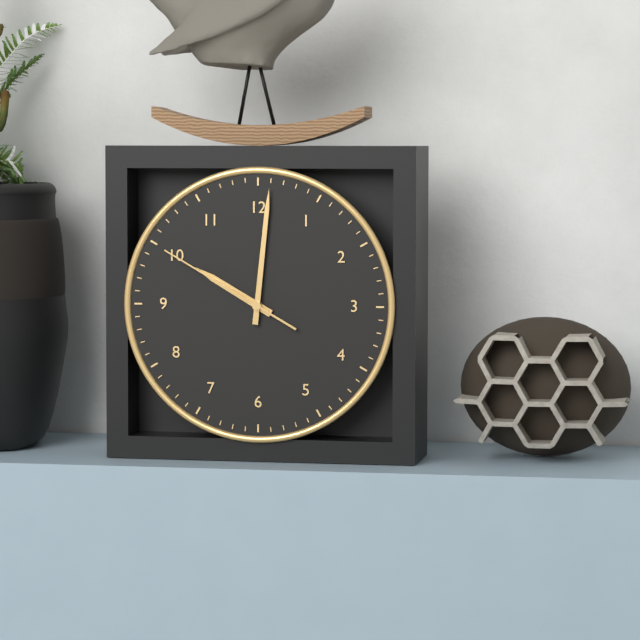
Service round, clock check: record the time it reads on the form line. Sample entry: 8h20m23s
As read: 10h01m50s
